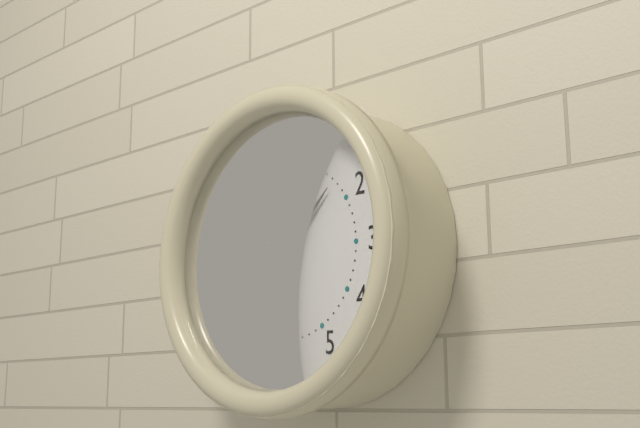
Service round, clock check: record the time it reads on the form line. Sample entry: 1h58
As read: 1h29
